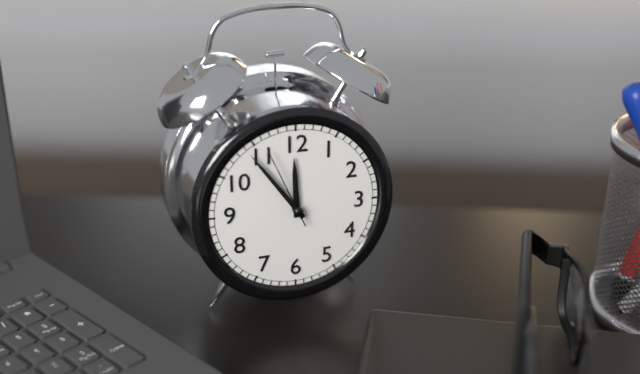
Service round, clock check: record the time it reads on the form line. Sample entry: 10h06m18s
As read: 11h54m56s
